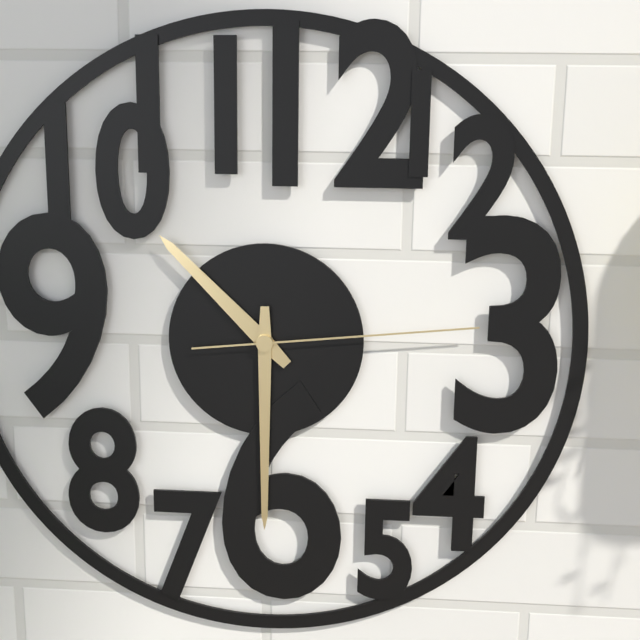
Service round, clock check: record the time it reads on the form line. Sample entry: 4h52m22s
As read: 10h30m14s
